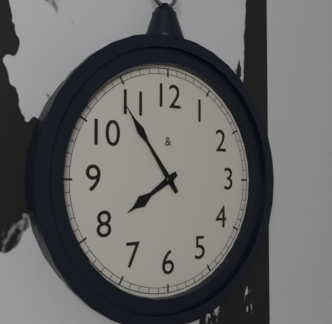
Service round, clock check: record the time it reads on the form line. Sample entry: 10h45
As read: 7h54
